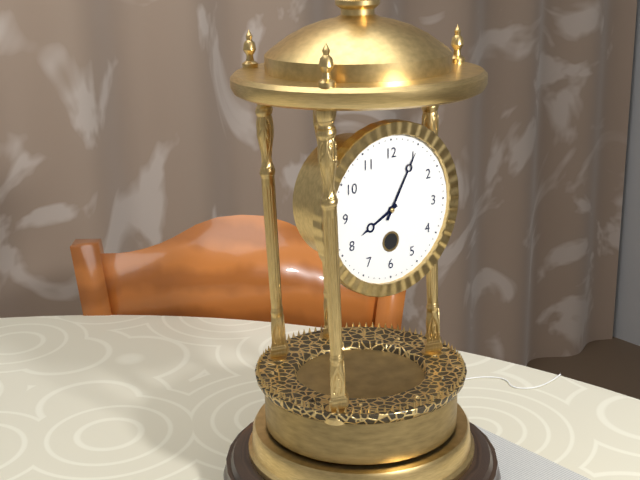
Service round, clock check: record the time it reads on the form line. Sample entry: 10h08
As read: 8h05
